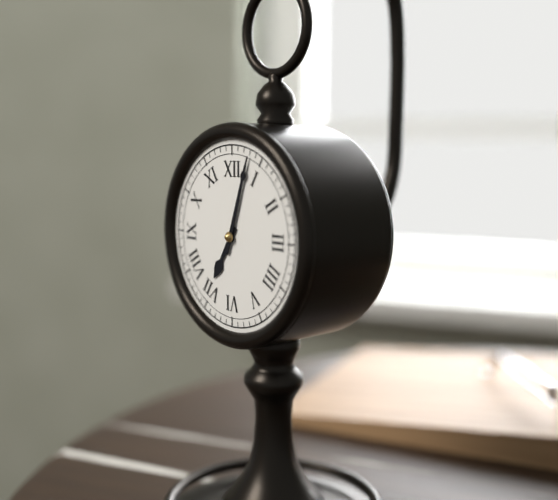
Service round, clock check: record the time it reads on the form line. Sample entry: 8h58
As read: 7h03
